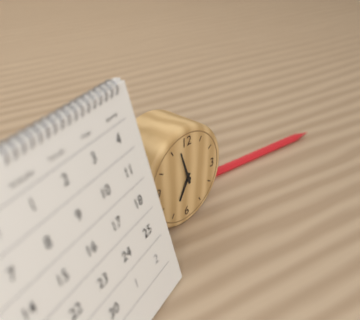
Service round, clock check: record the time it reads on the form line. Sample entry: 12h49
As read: 6h57
